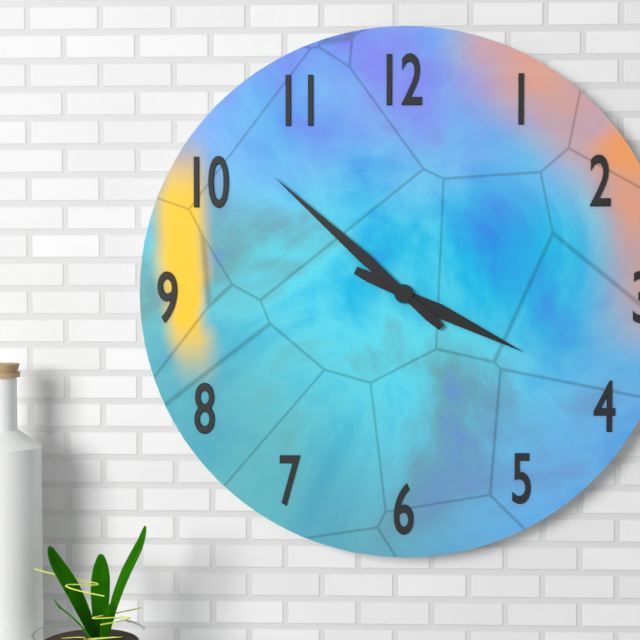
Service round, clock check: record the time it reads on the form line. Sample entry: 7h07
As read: 3h52
